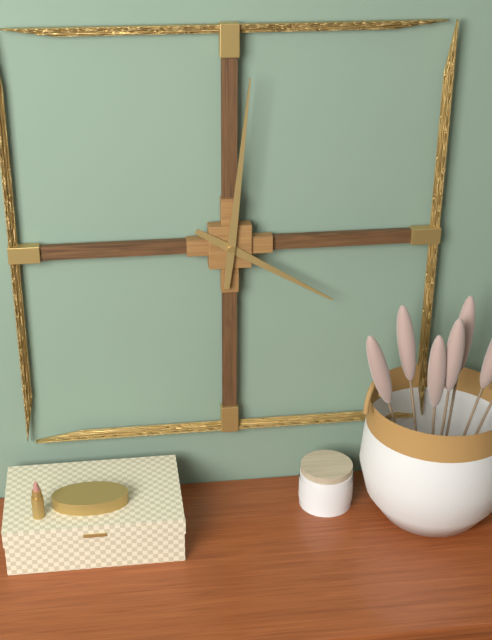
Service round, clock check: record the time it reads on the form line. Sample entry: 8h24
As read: 4h01
